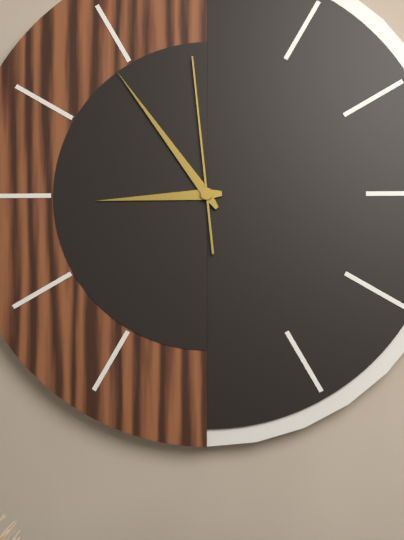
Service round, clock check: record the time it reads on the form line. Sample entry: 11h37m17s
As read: 8h54m59s
